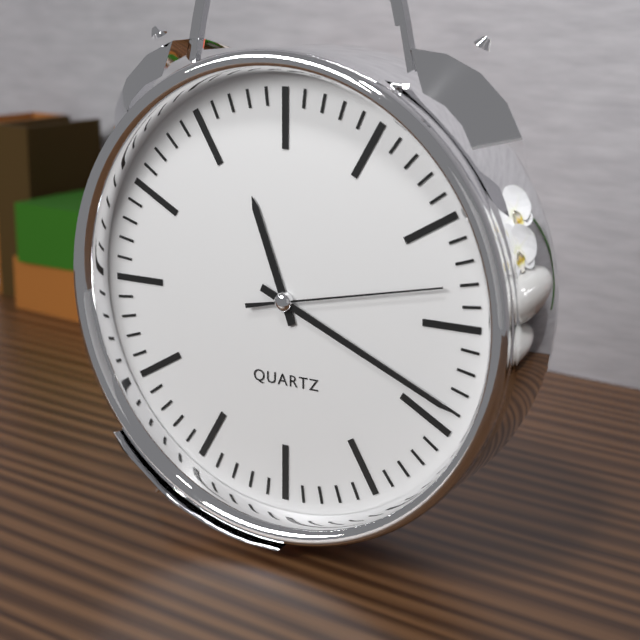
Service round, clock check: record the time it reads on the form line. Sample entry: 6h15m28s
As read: 11h19m13s
